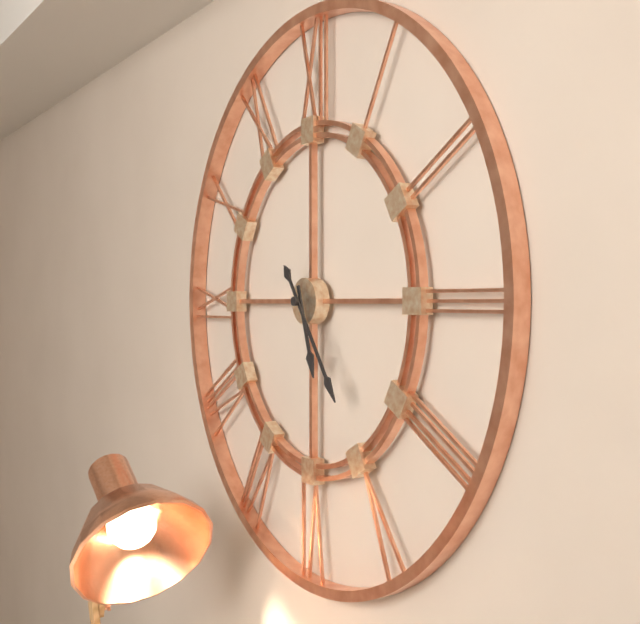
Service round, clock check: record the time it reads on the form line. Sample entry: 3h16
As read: 5h24
